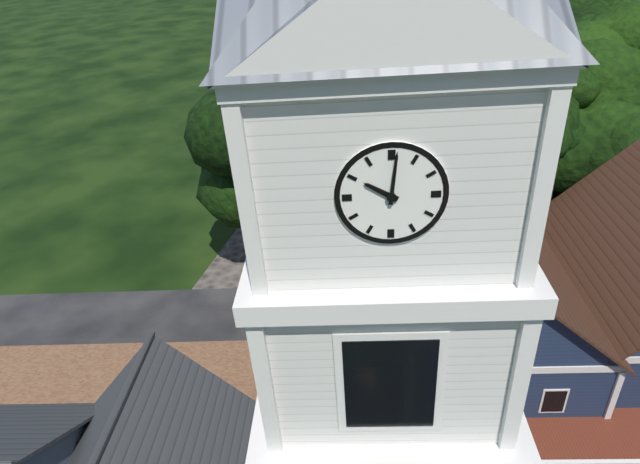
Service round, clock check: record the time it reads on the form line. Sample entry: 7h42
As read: 10h01
